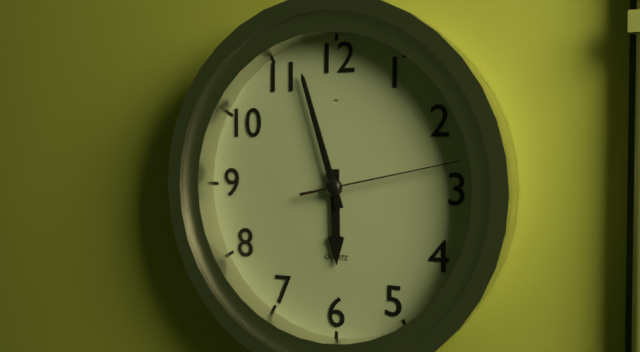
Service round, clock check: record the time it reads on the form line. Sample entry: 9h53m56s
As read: 5h57m13s
